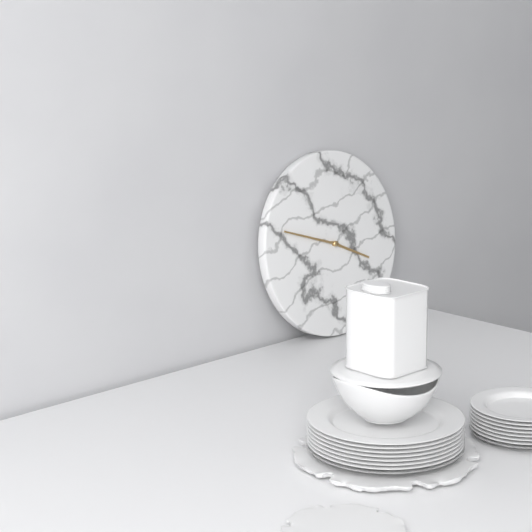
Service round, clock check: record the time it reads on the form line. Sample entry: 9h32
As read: 3h48
